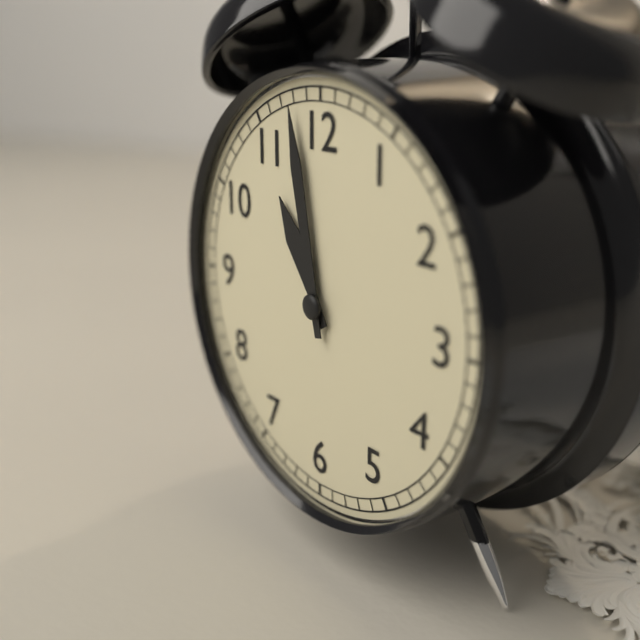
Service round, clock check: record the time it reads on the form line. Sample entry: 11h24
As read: 10h58
